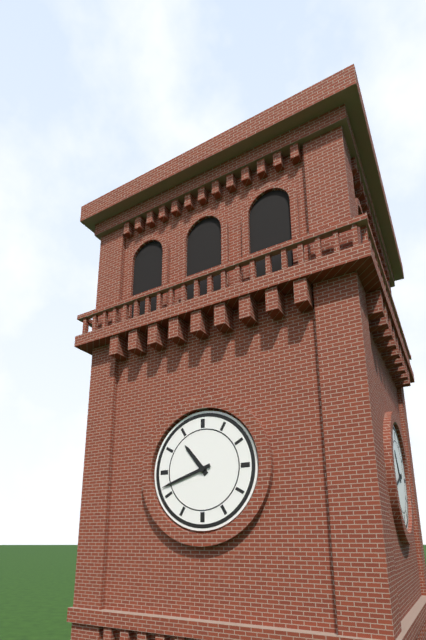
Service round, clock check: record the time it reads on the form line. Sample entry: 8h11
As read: 10h42
